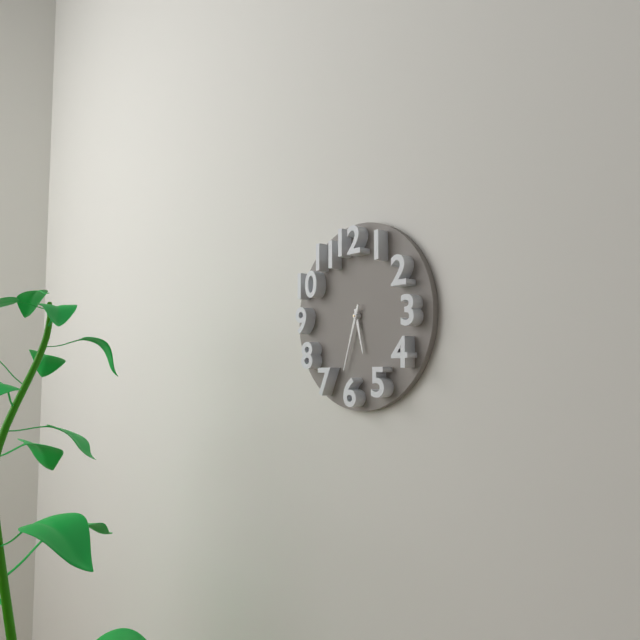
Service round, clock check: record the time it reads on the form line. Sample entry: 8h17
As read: 5h33
